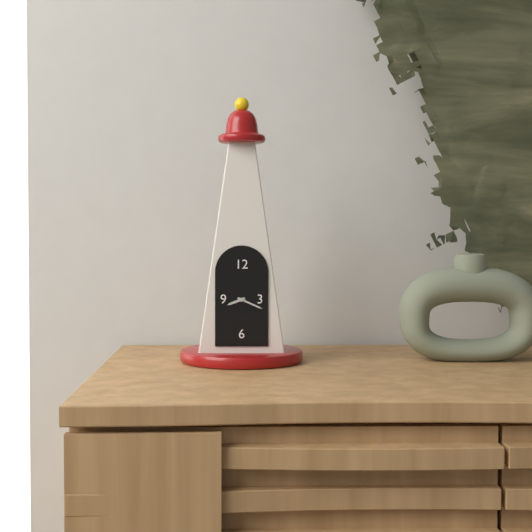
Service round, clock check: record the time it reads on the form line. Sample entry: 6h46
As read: 8h19
